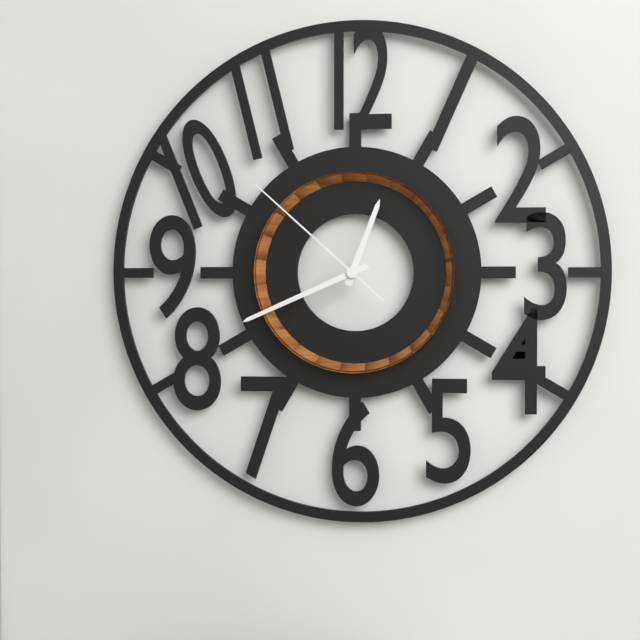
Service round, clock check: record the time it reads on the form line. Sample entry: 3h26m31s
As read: 12h41m52s
